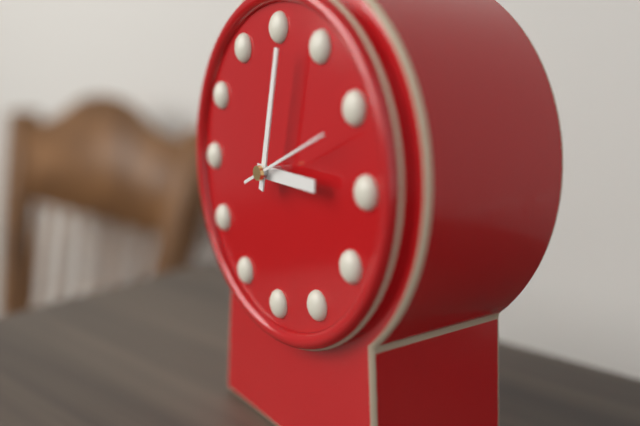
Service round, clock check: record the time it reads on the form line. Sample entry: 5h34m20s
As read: 3h02m11s
